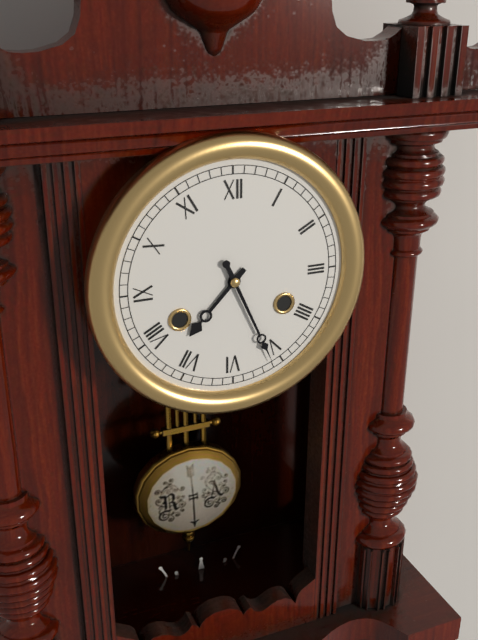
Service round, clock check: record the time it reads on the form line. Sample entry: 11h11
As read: 7h26
